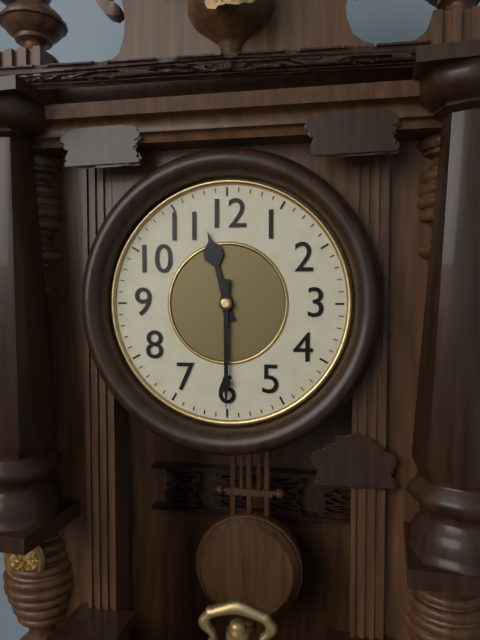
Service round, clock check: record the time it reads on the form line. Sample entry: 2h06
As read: 11h30
